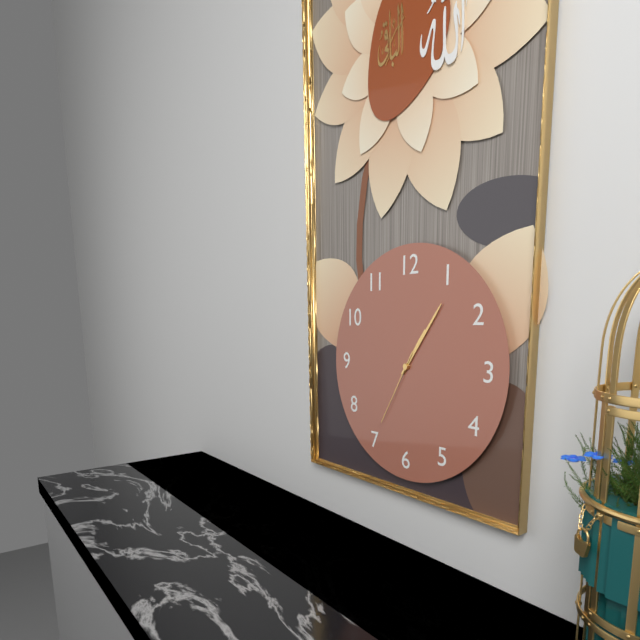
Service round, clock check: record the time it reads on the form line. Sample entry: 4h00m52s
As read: 1h06m35s
